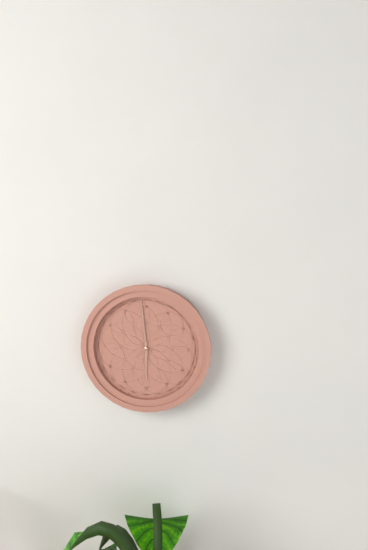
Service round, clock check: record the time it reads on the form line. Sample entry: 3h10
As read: 5h59
